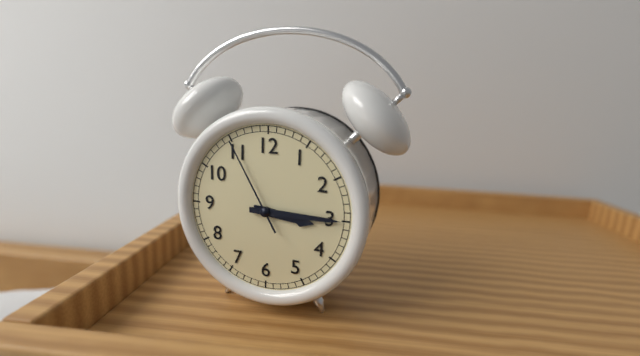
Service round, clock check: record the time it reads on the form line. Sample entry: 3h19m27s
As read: 3h15m55s
